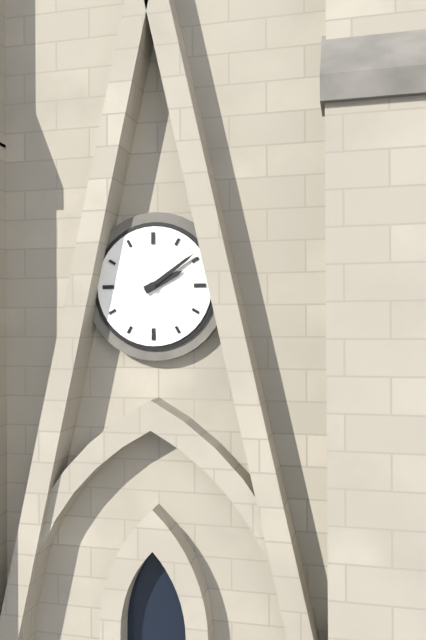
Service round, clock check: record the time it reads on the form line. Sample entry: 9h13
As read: 2h09
